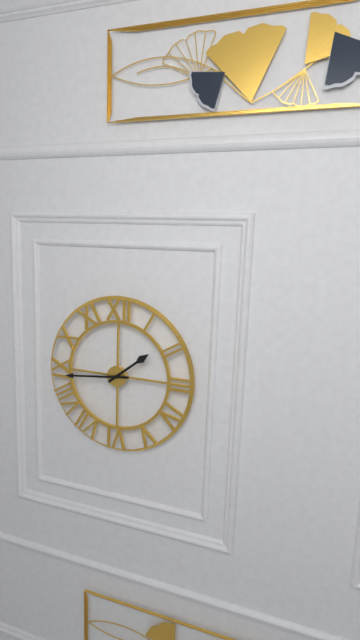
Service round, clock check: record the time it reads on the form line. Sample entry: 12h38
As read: 1h44
